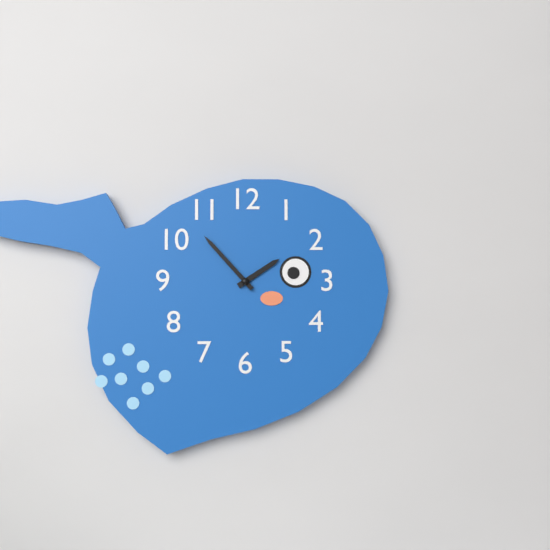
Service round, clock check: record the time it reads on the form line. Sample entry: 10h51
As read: 1h53
